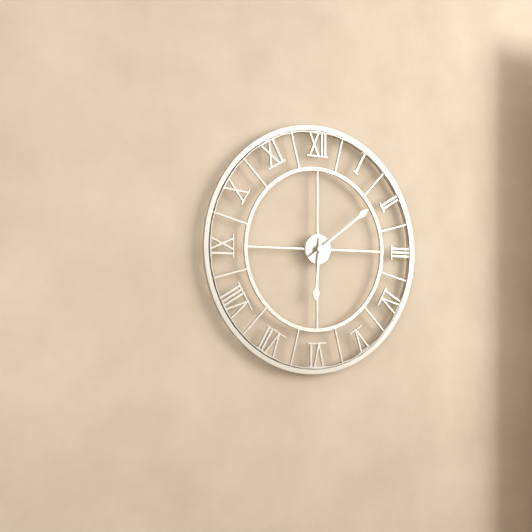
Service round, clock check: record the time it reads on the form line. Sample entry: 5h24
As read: 6h09
